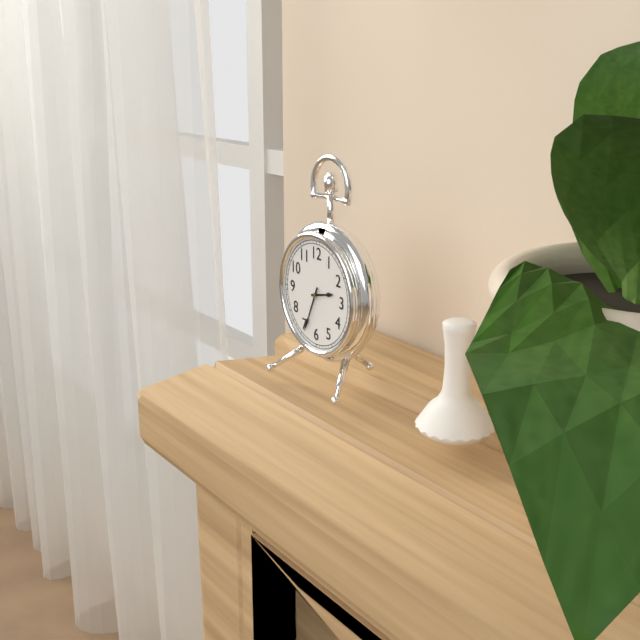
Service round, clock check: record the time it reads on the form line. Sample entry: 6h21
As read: 2h34
